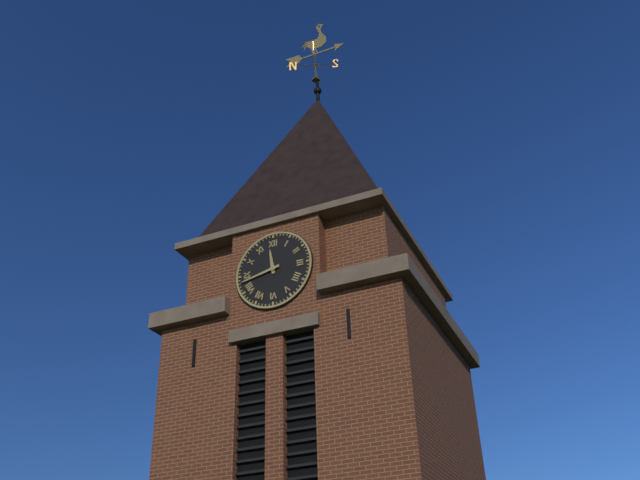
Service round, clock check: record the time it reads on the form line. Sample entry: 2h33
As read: 11h43
